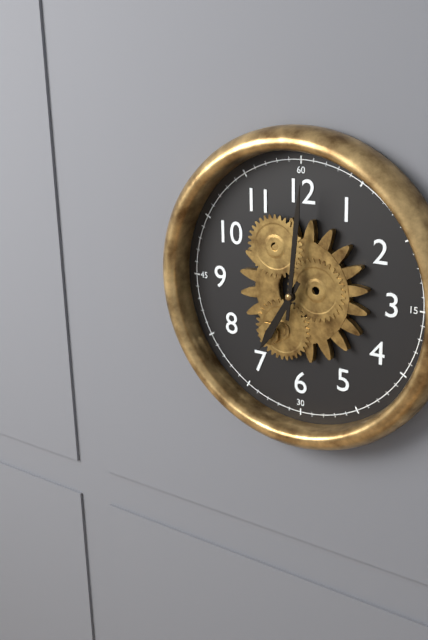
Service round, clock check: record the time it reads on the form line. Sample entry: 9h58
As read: 7h01
